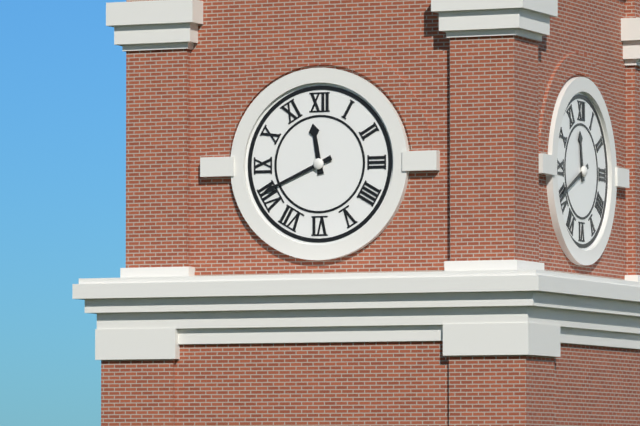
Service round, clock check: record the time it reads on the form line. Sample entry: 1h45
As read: 11h41
